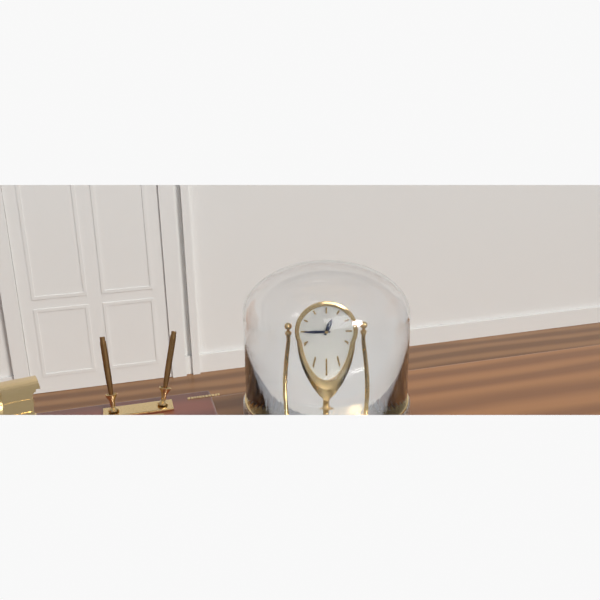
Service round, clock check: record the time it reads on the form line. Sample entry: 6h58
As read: 12h45
